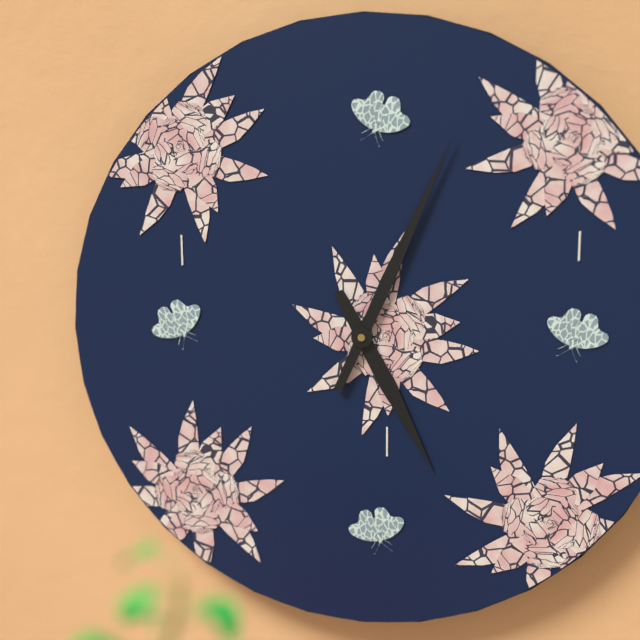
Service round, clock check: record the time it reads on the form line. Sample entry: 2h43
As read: 5h04
